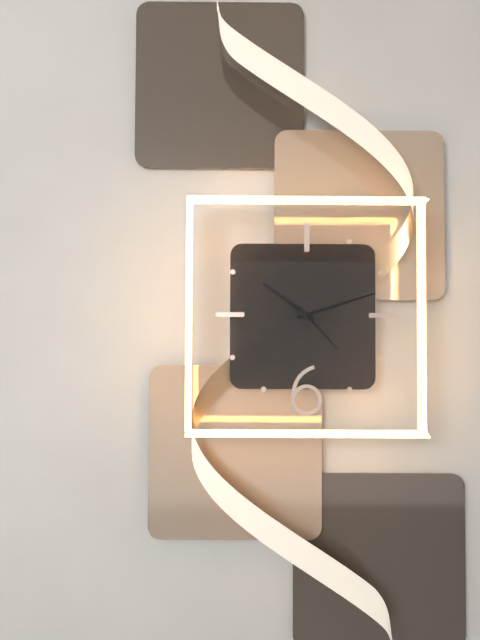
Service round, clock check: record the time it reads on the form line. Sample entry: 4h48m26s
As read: 10h12m23s
